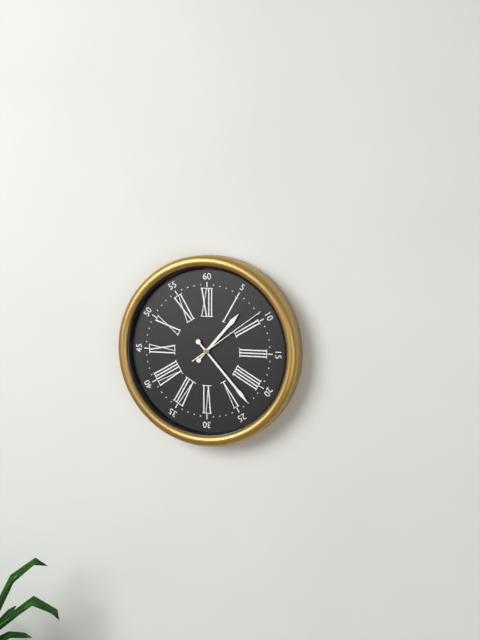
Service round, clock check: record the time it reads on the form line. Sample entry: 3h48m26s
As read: 1h23m09s
